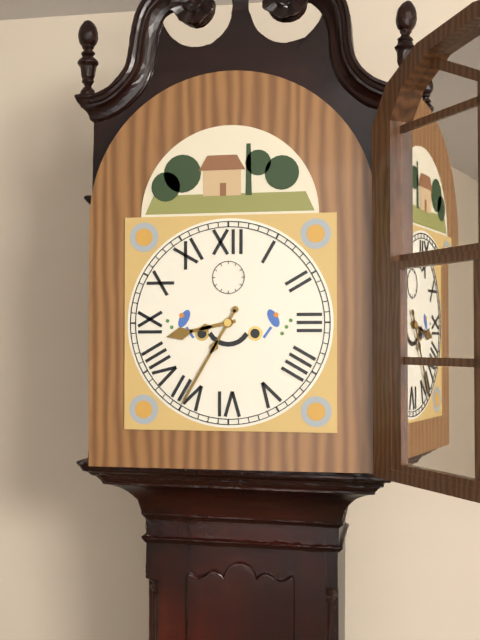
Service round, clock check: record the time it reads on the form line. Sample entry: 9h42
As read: 8h35
